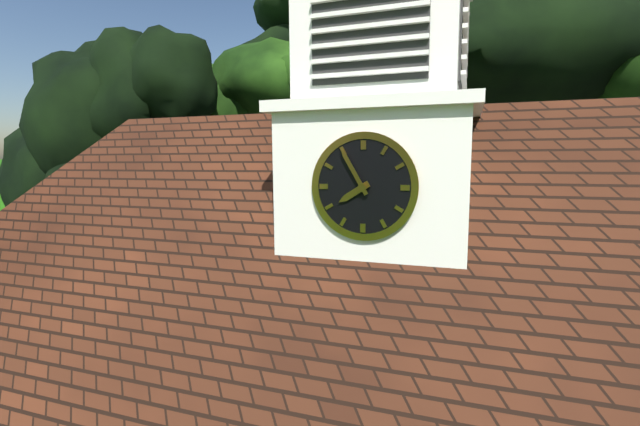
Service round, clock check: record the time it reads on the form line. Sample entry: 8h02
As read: 7h55
